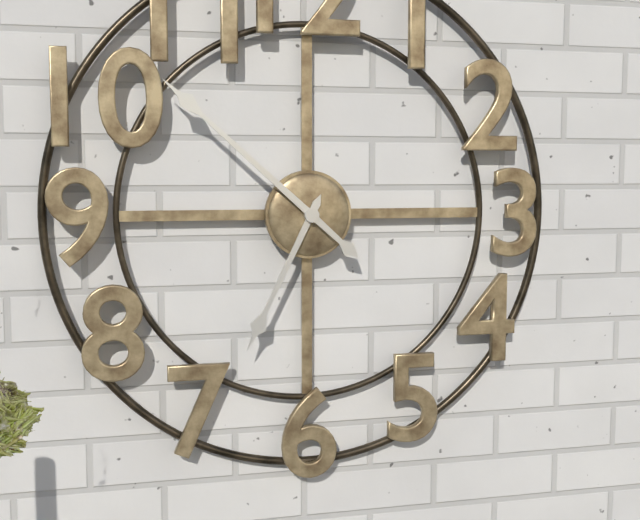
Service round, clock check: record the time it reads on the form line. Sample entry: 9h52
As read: 6h52
